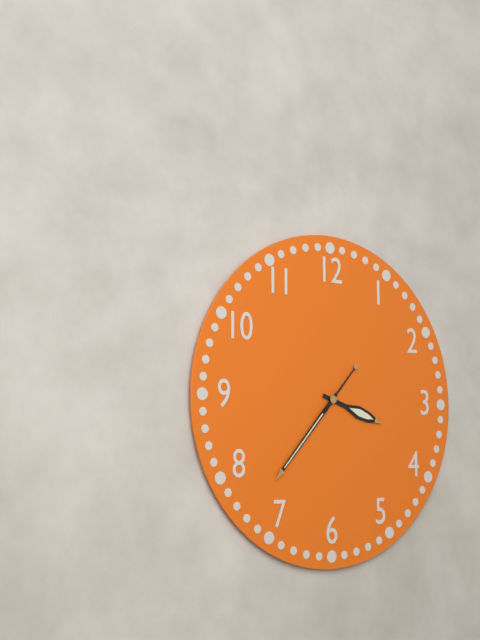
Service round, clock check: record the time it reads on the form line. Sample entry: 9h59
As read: 3h37
